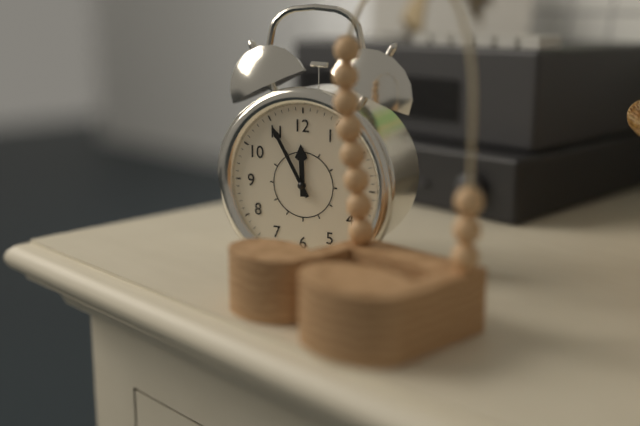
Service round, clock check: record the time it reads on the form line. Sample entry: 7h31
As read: 11h55
